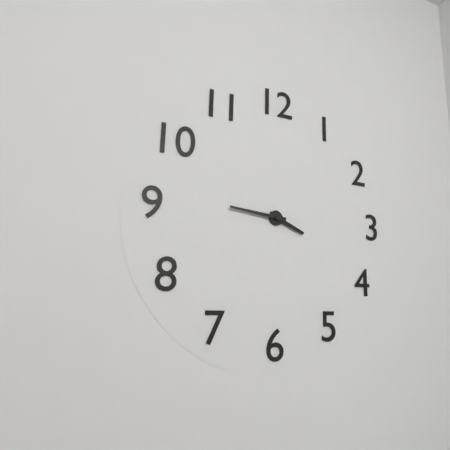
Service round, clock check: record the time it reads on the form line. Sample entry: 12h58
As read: 3h46
